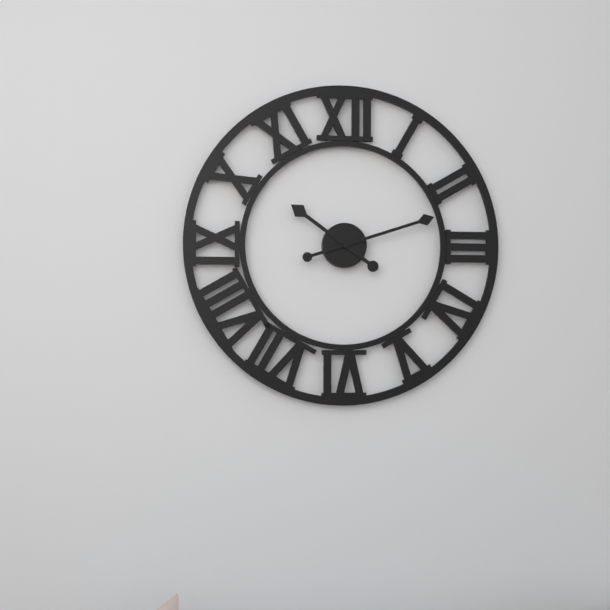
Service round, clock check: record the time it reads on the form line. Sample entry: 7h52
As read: 10h12
